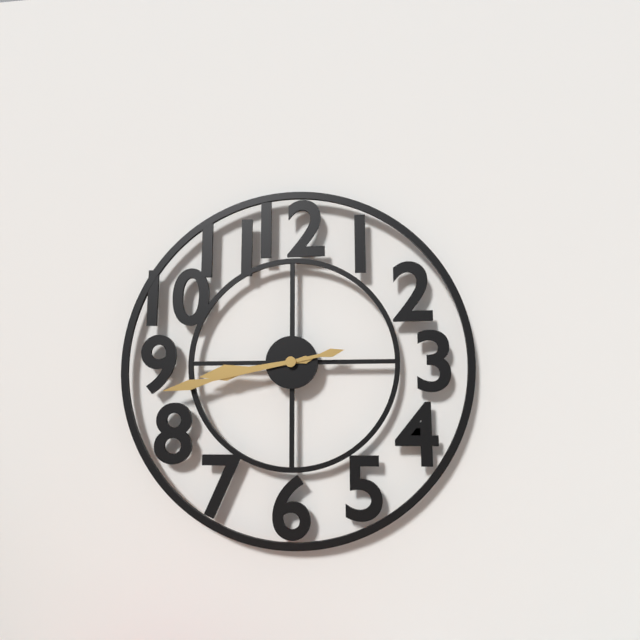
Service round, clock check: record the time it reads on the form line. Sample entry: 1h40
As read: 8h43
